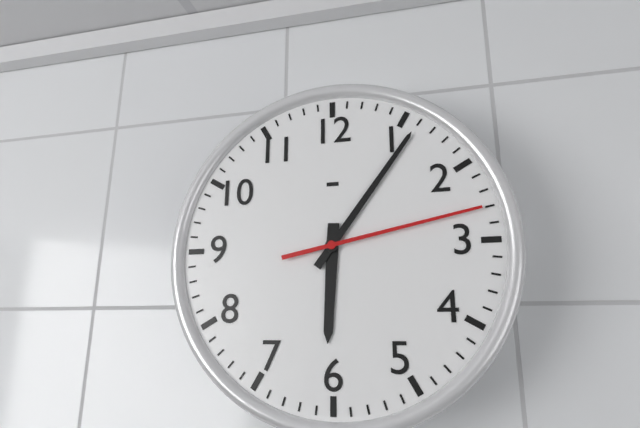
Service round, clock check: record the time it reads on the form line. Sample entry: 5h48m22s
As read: 6h06m13s
